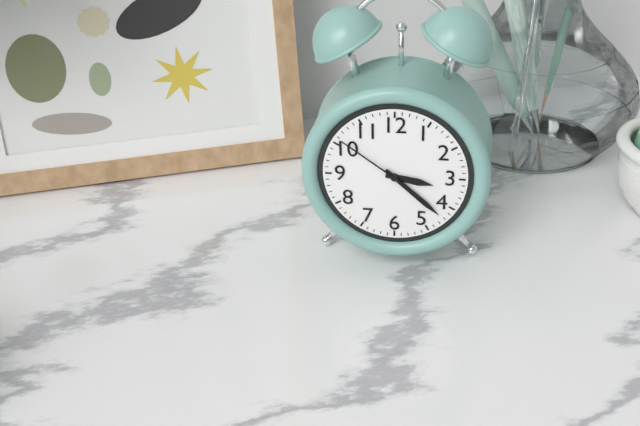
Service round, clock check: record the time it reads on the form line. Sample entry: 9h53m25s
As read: 3h22m51s
